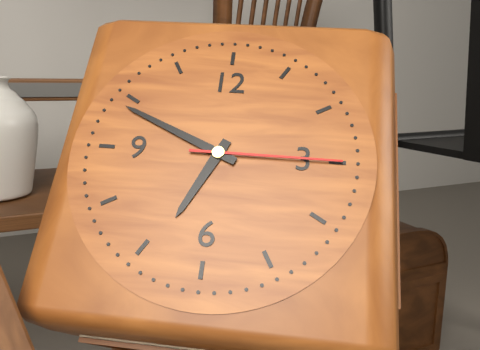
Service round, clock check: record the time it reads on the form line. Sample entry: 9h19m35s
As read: 6h49m15s
